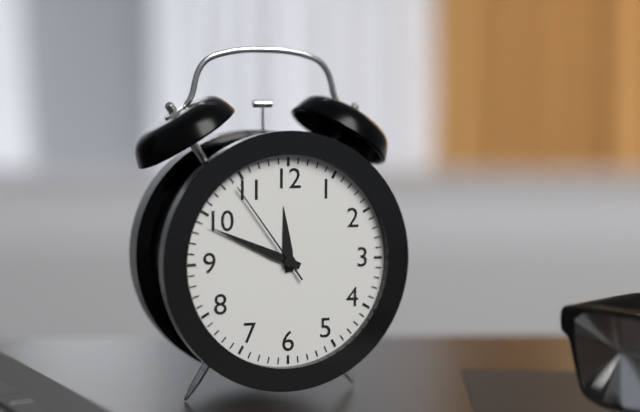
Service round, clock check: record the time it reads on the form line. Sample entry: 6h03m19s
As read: 11h49m54s
